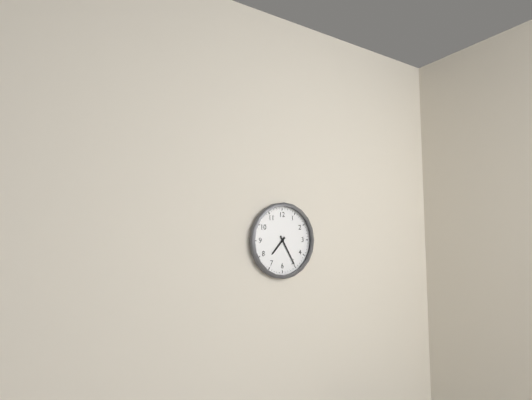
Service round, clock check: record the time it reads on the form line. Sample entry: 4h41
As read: 7h25
